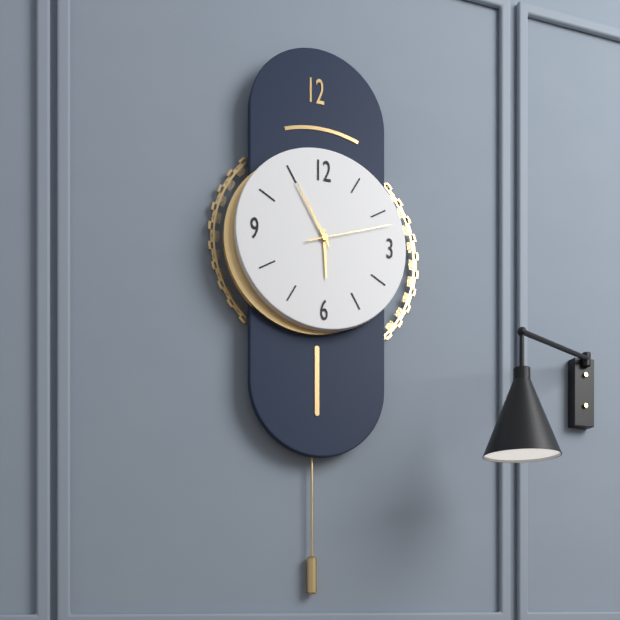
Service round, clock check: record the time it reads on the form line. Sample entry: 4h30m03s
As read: 5h55m12s
